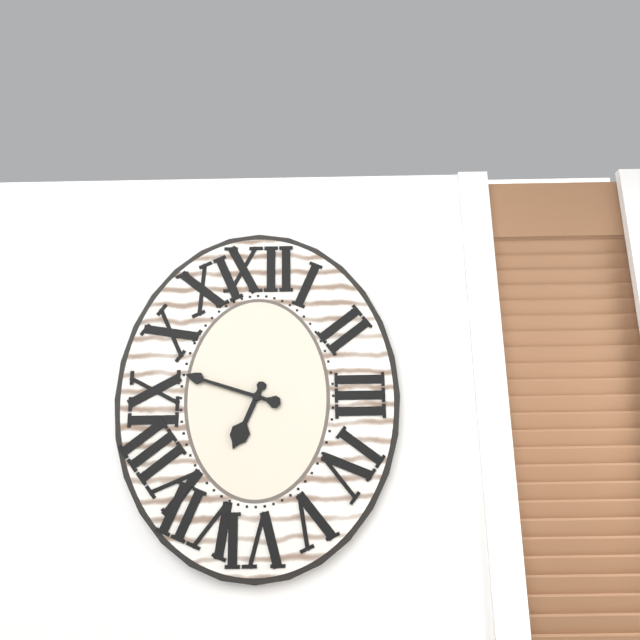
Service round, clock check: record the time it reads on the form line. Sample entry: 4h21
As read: 6h48
